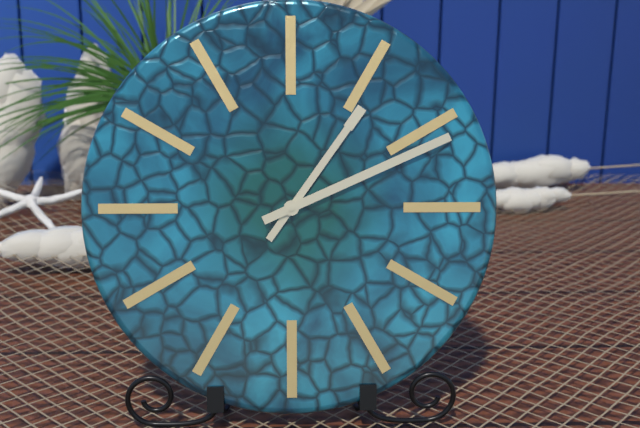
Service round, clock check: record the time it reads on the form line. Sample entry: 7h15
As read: 1h11
